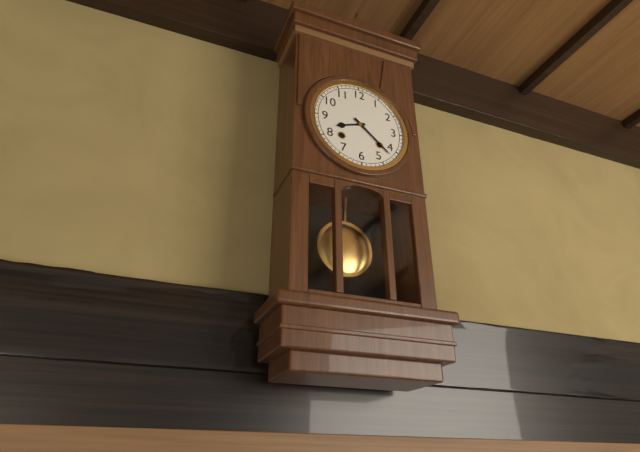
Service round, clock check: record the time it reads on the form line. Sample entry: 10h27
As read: 8h22
